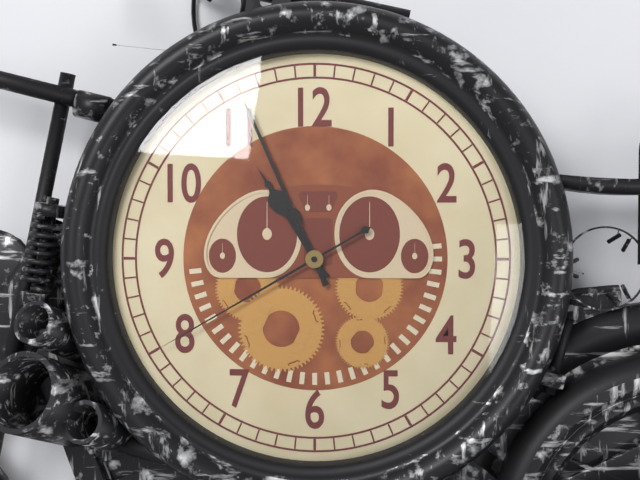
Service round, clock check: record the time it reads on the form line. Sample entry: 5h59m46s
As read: 10h56m40s
